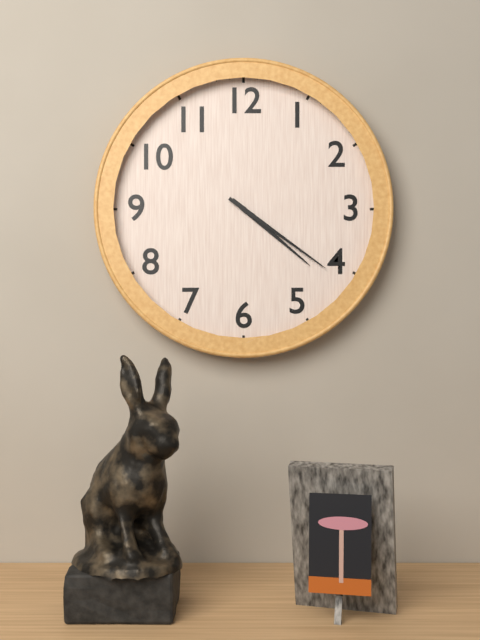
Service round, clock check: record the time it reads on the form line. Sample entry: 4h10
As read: 4h21
